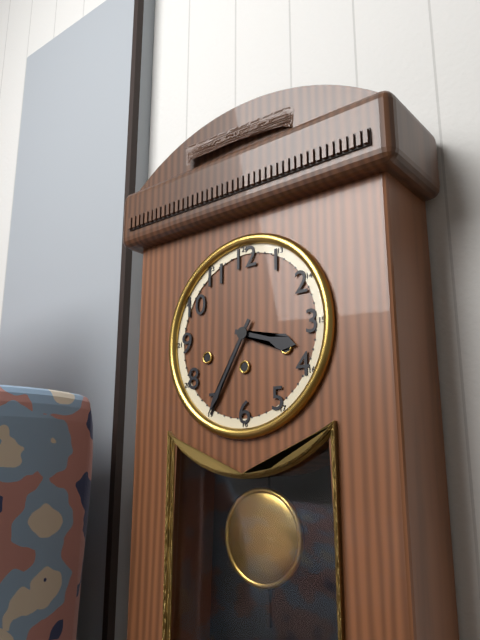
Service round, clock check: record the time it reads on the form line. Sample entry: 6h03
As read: 3h35
